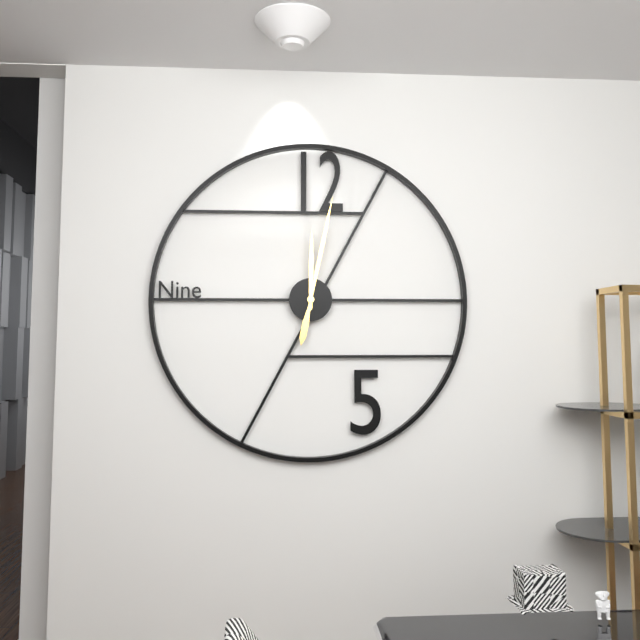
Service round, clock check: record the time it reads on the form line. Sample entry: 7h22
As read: 12h02
